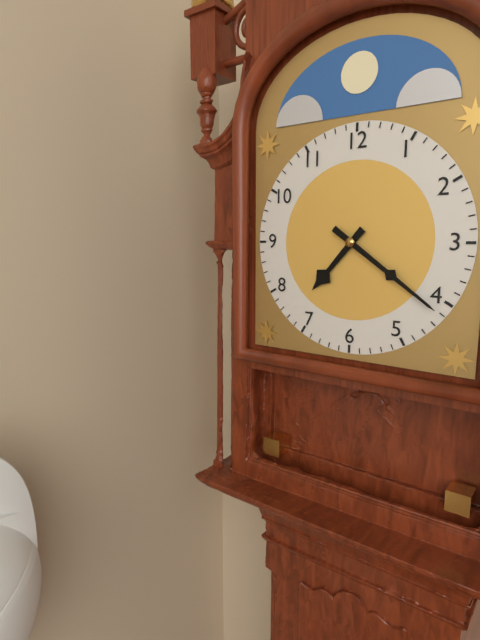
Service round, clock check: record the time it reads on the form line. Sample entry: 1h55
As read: 7h21
